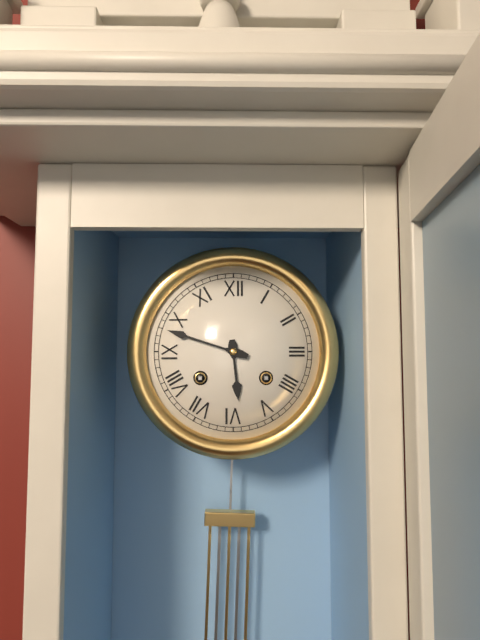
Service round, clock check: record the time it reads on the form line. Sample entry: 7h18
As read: 5h48
